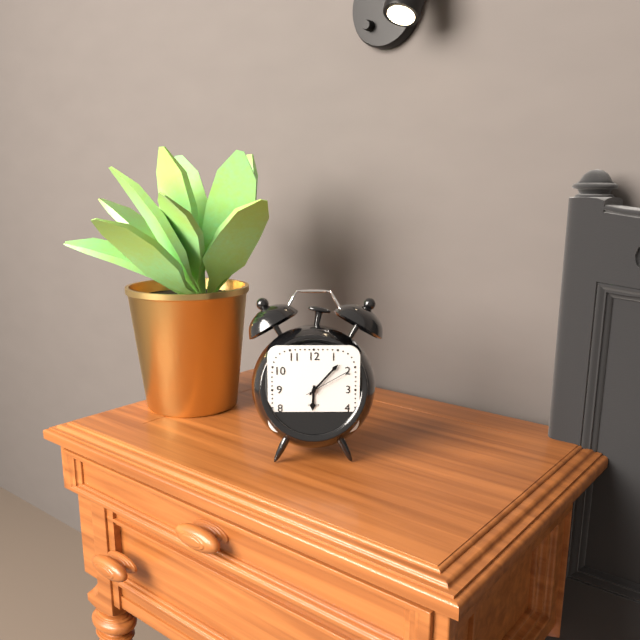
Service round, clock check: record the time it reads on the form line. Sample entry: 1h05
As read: 6h07
